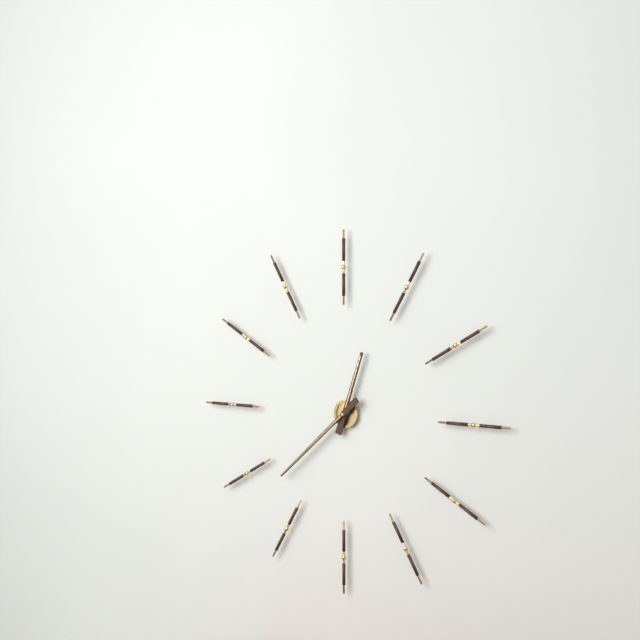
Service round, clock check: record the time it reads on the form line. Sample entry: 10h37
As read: 12h38
